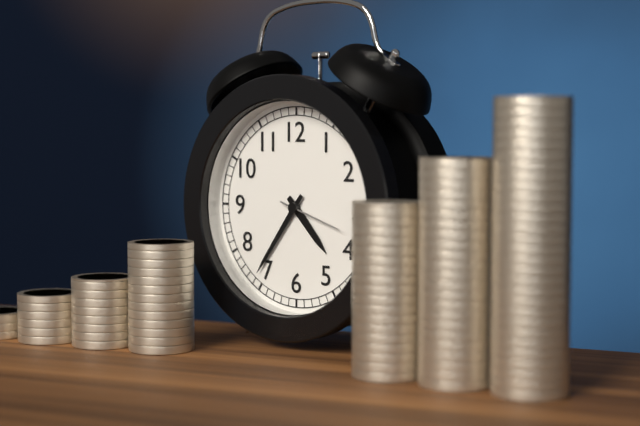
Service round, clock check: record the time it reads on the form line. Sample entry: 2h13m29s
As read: 4h36m18s
